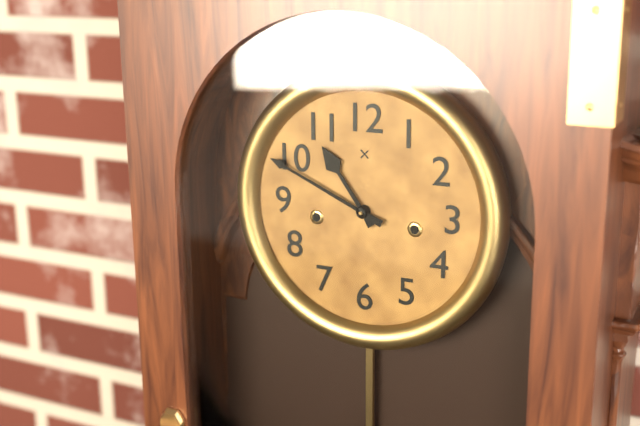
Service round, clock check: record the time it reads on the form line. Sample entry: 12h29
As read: 10h49
